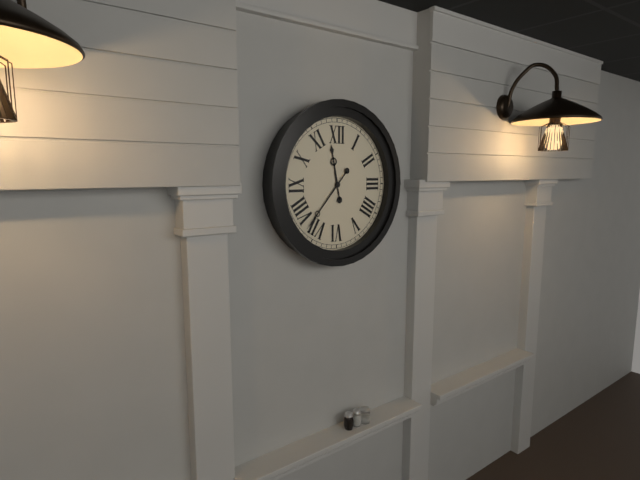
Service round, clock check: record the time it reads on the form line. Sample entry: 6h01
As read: 11h37
